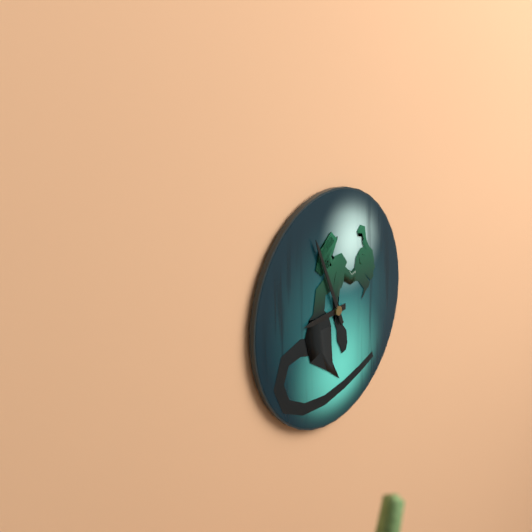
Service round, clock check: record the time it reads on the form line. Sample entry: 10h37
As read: 8h56
